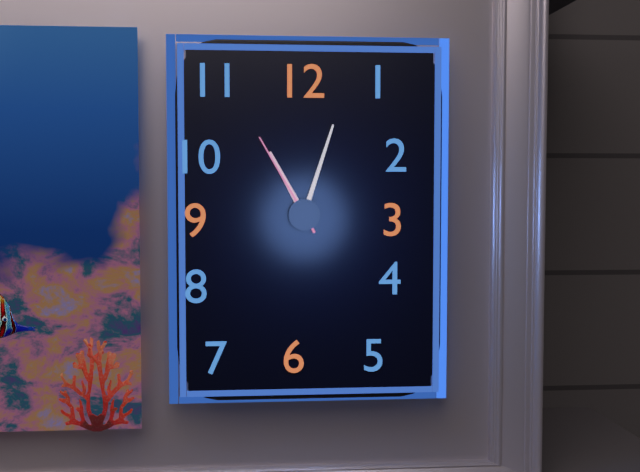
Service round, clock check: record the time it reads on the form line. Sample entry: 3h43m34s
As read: 11h03m55s
